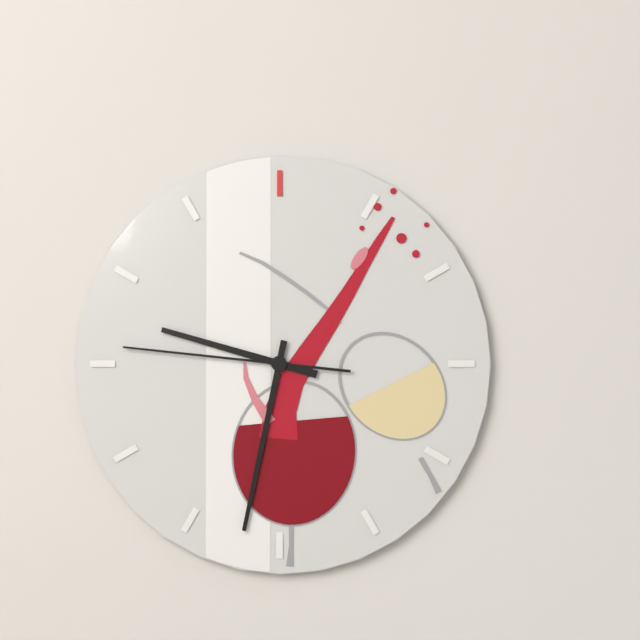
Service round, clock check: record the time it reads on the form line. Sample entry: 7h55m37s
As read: 9h32m46s
